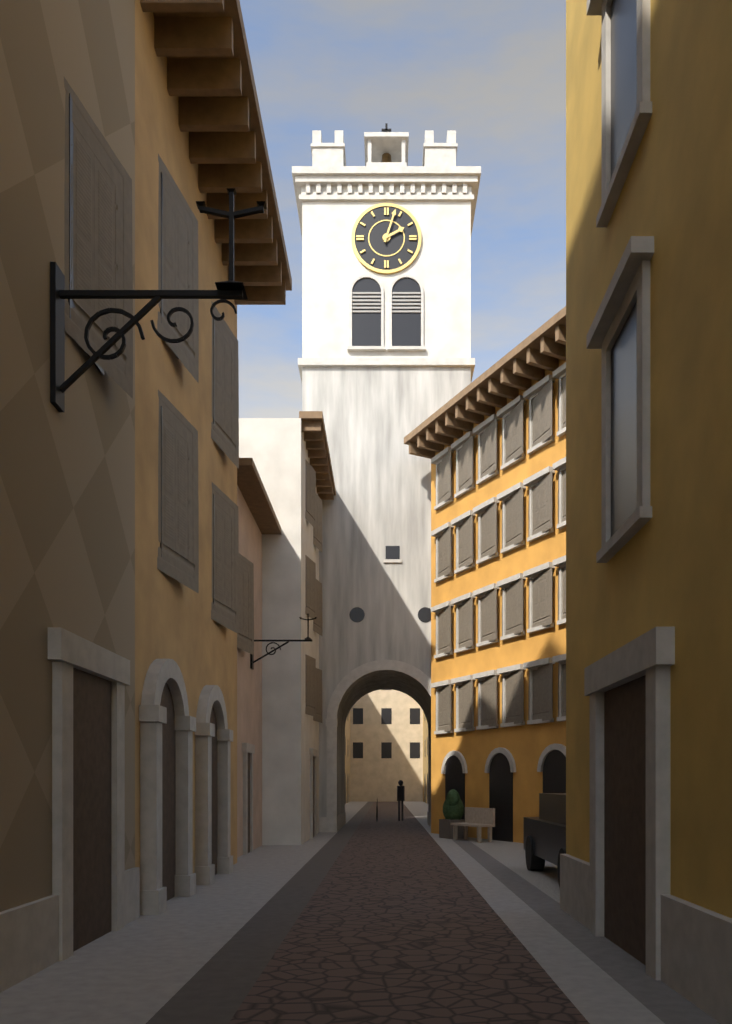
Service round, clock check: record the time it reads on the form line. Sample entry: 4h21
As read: 2h03
